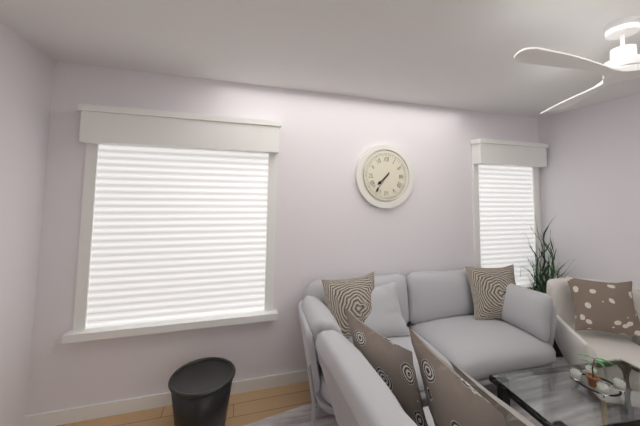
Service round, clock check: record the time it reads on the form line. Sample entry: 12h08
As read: 7h36
